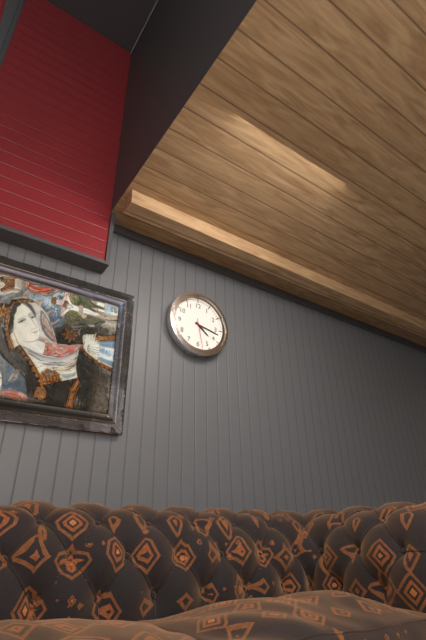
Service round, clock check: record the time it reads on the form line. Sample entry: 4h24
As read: 4h17
